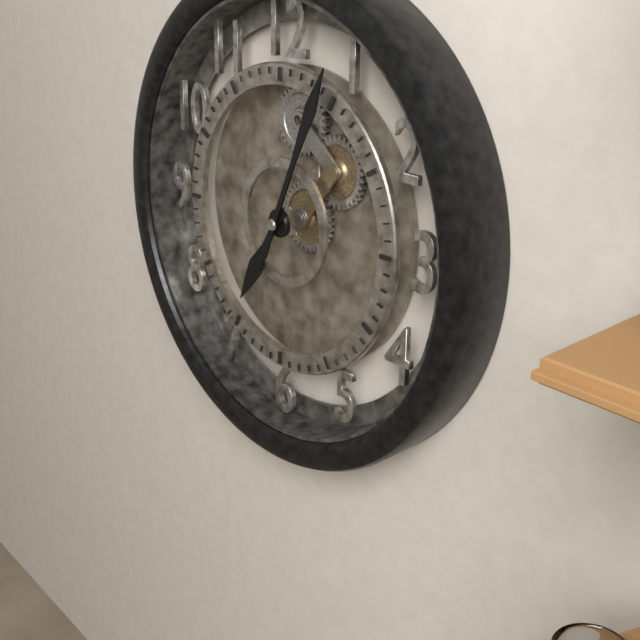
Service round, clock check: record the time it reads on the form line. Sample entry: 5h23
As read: 7h04
